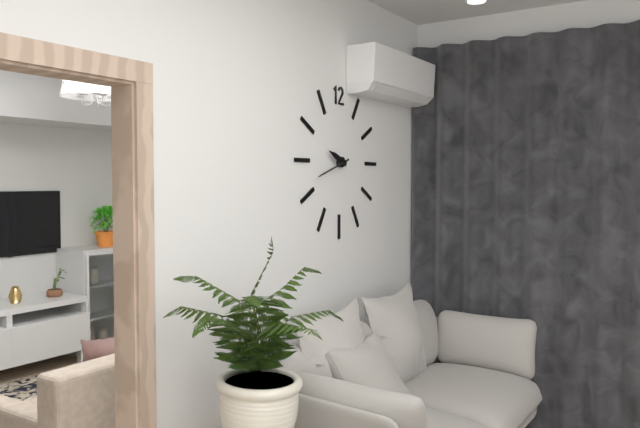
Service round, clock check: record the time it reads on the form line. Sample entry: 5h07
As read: 9h42
